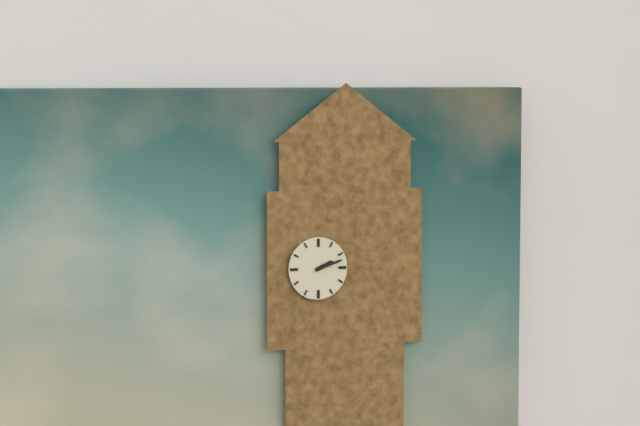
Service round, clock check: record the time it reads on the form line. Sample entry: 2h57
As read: 2h12
